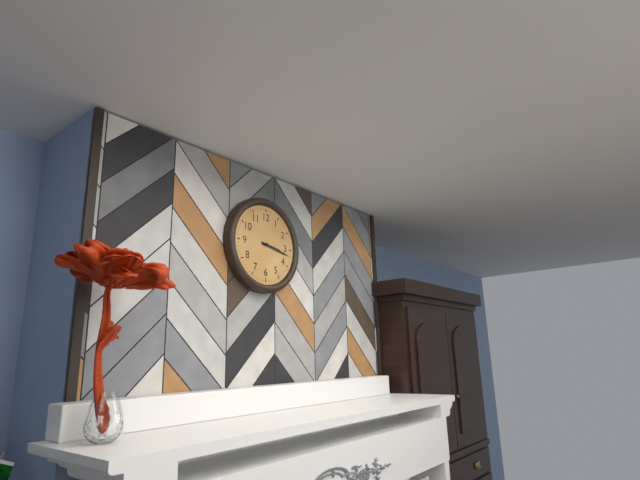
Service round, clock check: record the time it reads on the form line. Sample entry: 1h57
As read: 3h17
